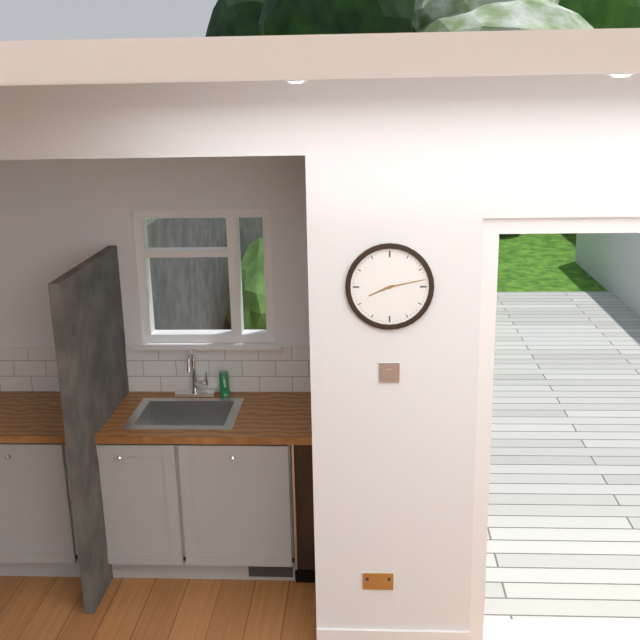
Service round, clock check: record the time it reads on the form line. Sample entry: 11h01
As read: 8h13
